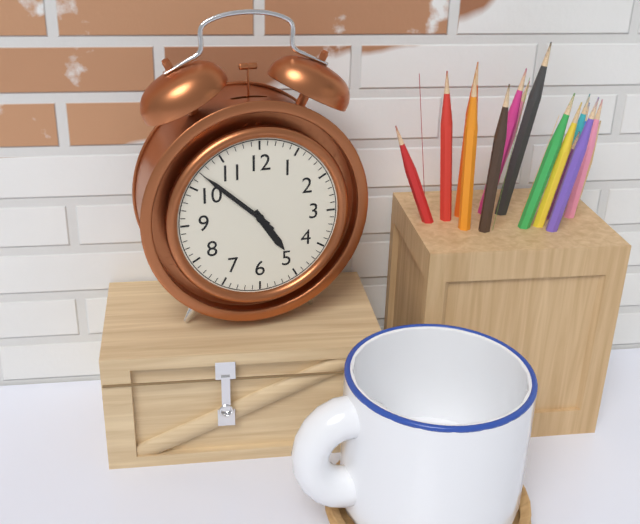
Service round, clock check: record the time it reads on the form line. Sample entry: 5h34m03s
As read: 4h52m52s
